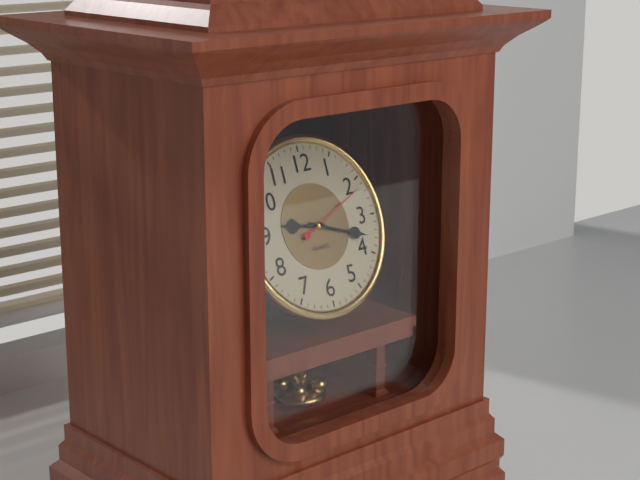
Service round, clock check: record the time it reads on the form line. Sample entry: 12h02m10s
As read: 9h18m11s
